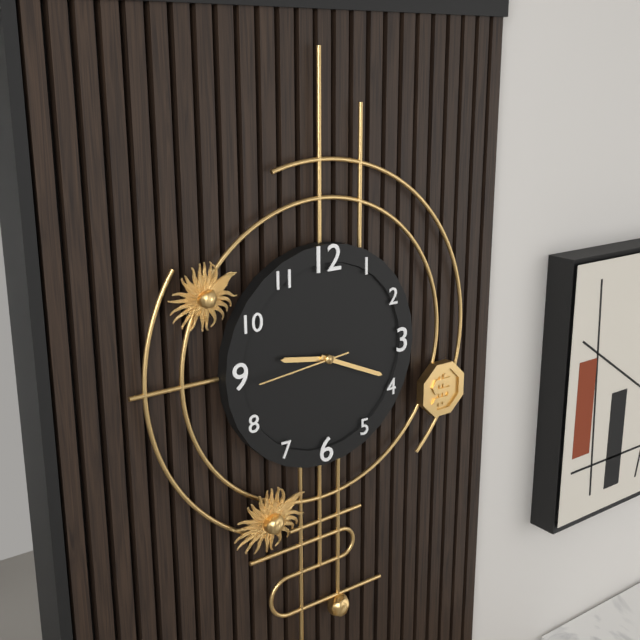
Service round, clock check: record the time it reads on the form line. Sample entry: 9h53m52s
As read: 9h19m44s
